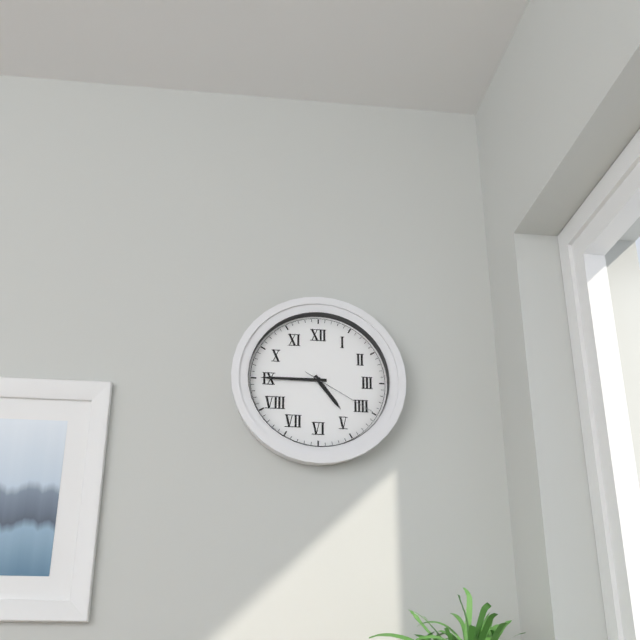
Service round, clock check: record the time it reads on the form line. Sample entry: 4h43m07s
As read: 4h45m20s
